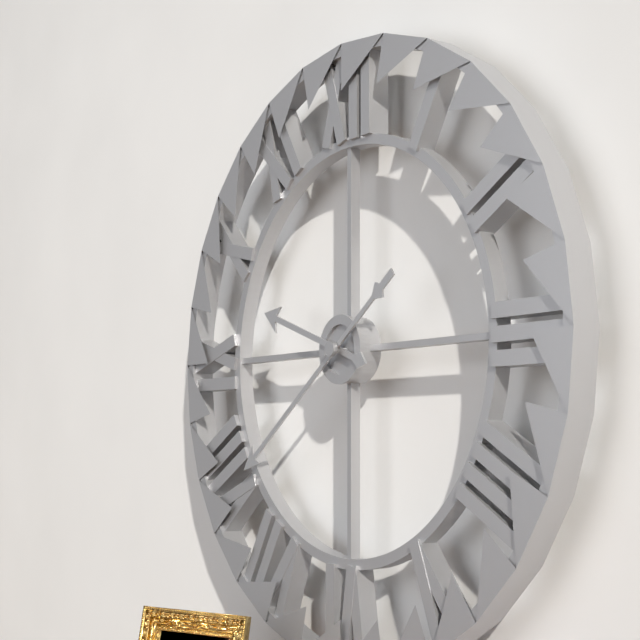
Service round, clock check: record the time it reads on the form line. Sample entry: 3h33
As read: 9h39
